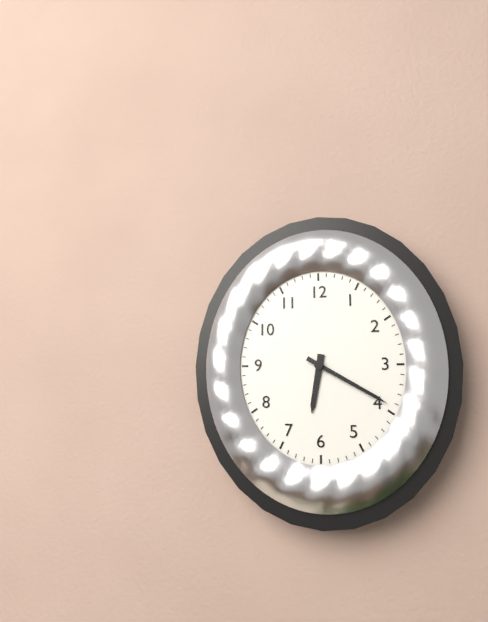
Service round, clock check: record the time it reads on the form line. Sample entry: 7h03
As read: 6h20
